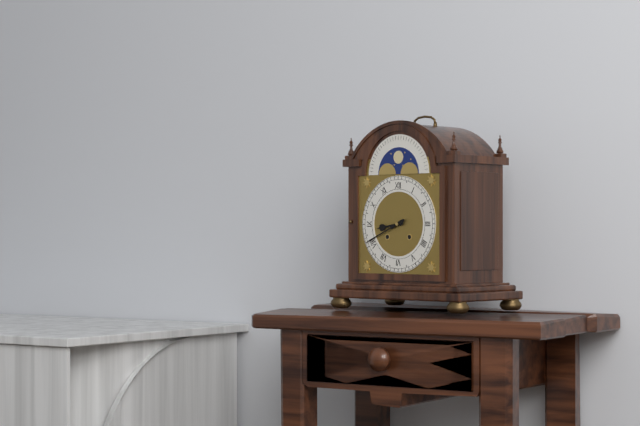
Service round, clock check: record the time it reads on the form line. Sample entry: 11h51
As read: 8h41
